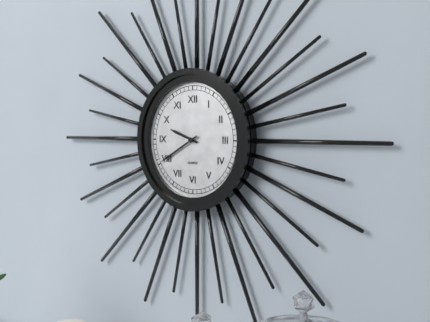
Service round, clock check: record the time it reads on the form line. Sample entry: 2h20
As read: 9h40
